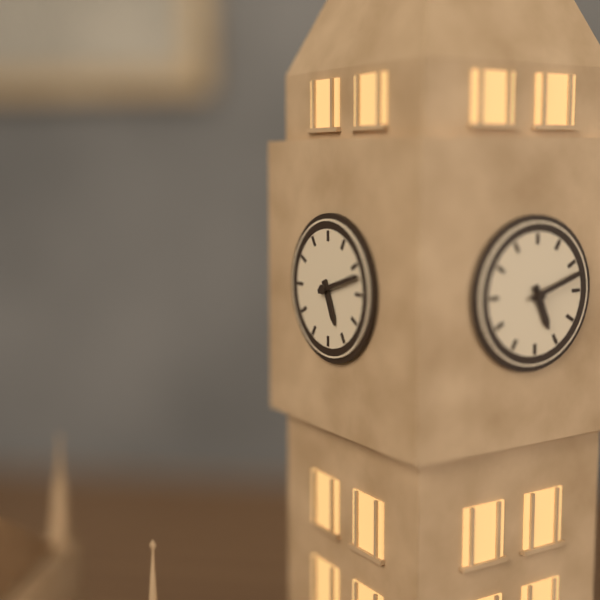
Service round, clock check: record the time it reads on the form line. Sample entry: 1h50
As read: 5h12
